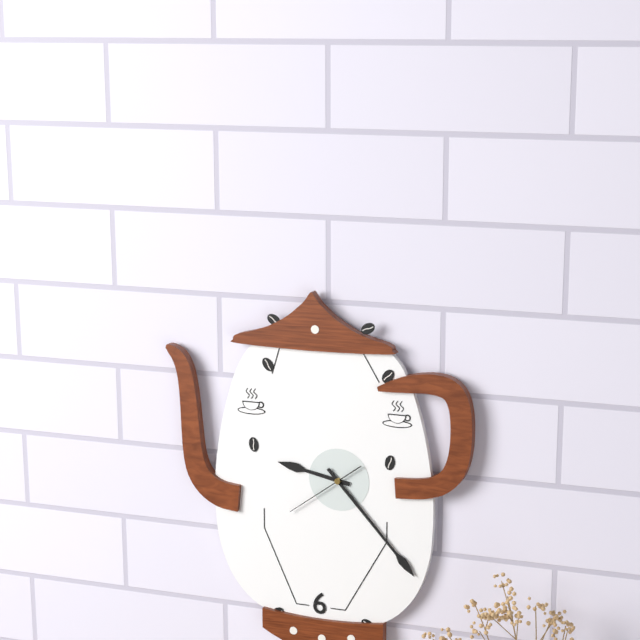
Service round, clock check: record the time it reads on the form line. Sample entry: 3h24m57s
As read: 9h23m39s
